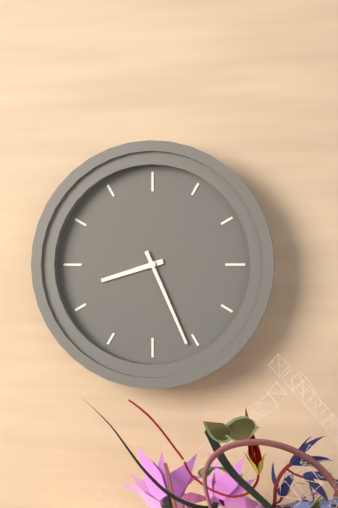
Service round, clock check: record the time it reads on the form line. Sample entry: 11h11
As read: 8h26
